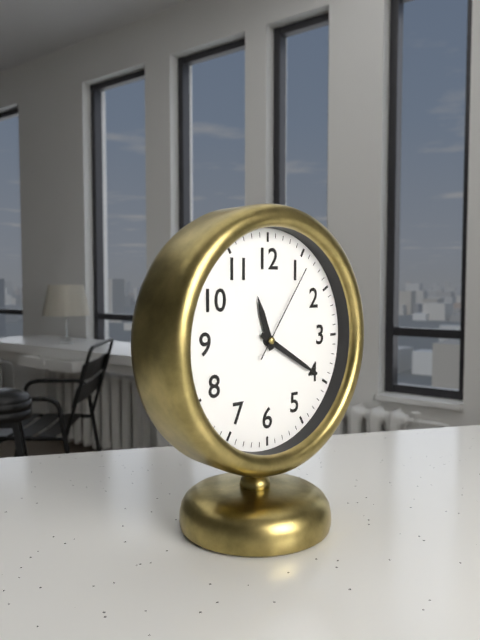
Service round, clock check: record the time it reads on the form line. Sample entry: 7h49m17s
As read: 11h20m06s
